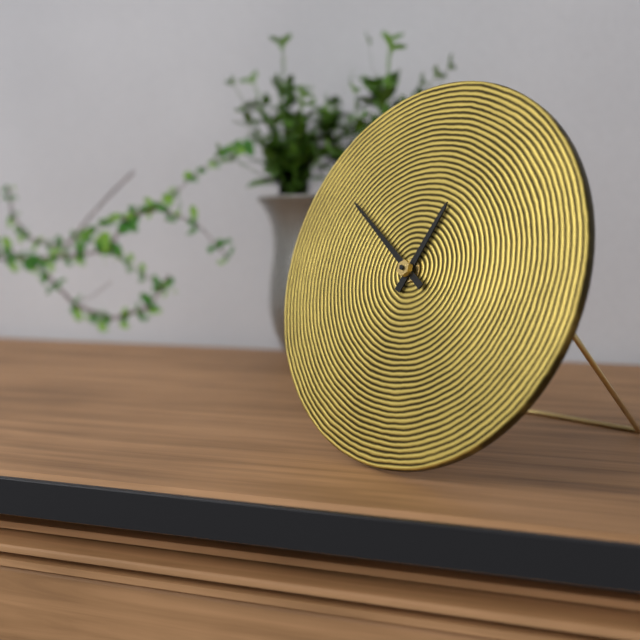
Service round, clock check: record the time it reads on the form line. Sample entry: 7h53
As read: 12h51
